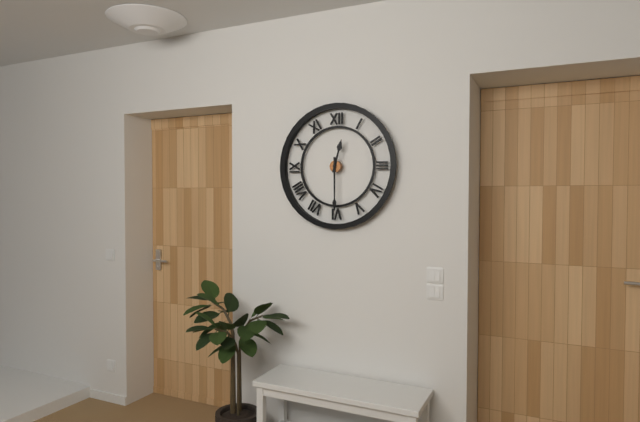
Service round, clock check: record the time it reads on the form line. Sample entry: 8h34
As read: 12h30
